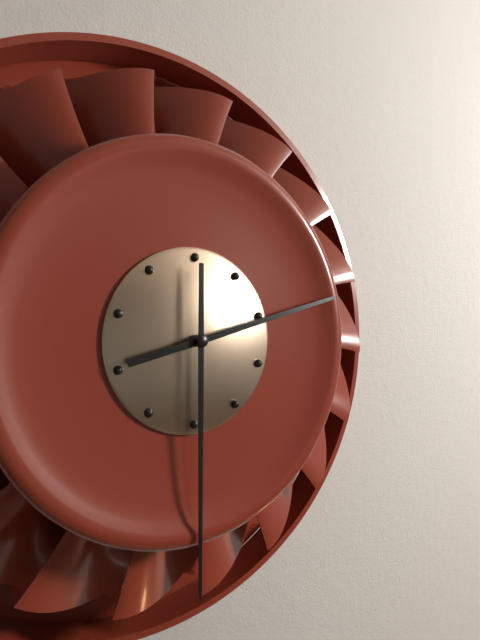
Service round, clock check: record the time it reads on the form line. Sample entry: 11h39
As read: 2h30
